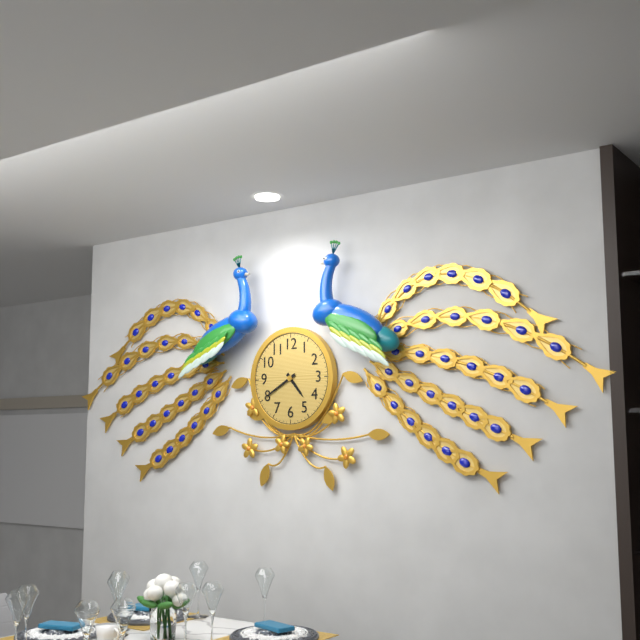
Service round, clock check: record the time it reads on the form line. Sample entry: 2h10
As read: 4h40
